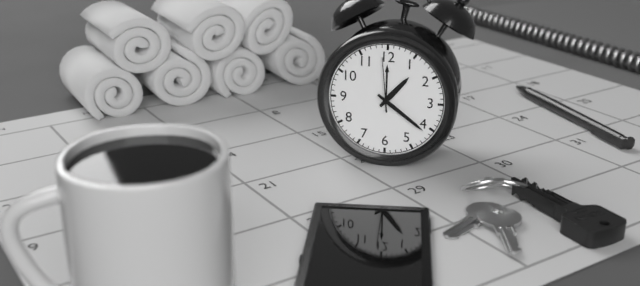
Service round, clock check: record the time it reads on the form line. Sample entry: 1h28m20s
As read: 1h21m59s
